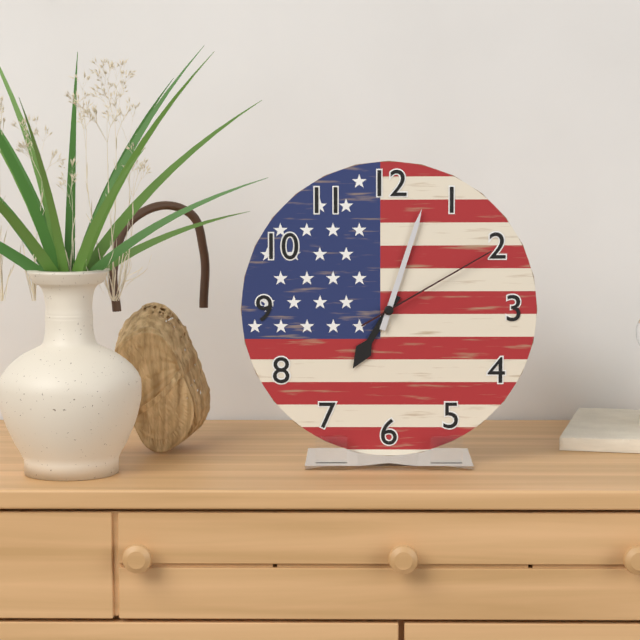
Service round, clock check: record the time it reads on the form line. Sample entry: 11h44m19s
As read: 7h03m10s
